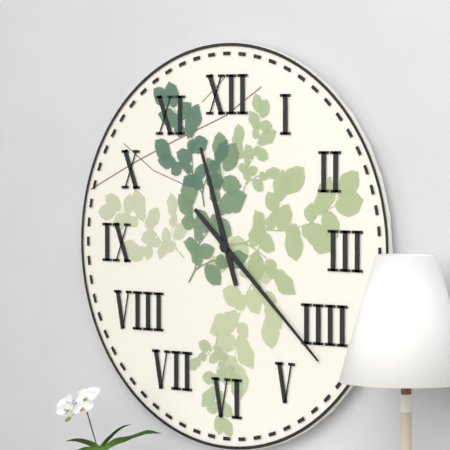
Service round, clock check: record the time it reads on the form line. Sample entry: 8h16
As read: 11h22
